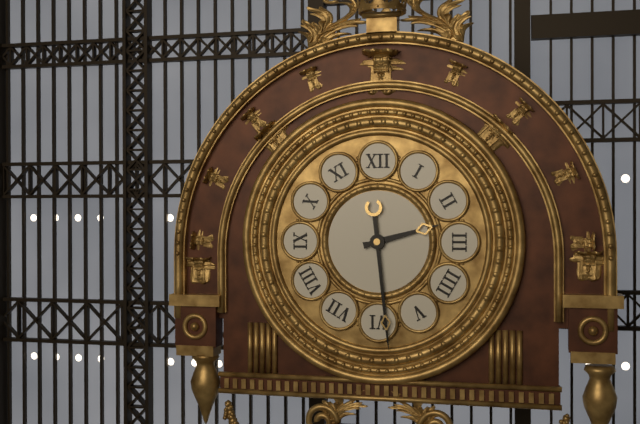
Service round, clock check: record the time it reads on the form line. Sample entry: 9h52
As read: 2h29
